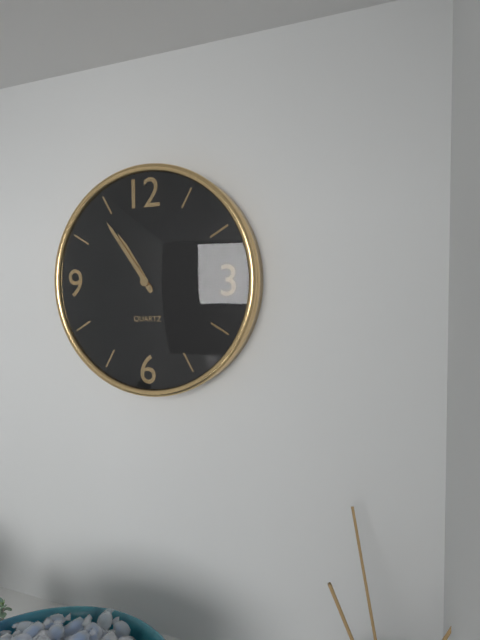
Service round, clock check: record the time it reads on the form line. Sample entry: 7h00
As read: 10h54
